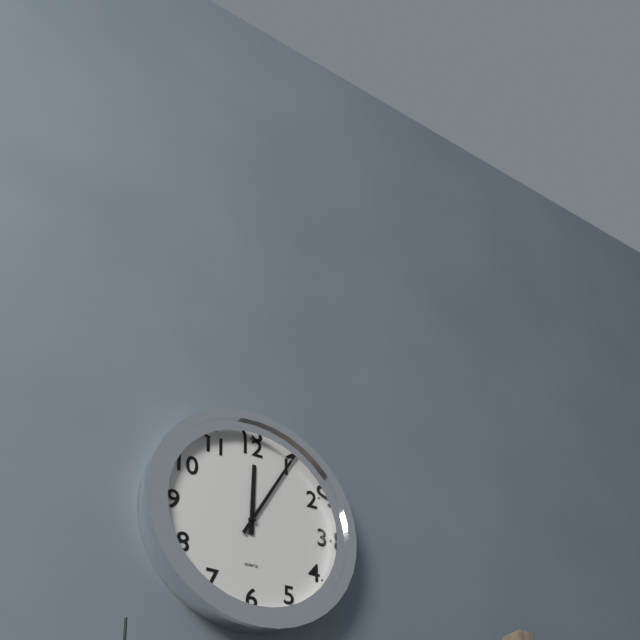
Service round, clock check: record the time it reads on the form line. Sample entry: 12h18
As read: 12h05
